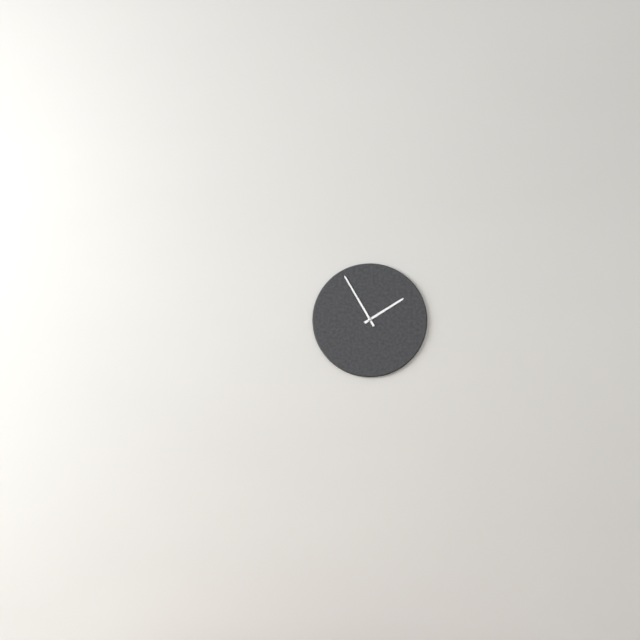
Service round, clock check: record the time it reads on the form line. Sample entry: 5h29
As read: 1h55
